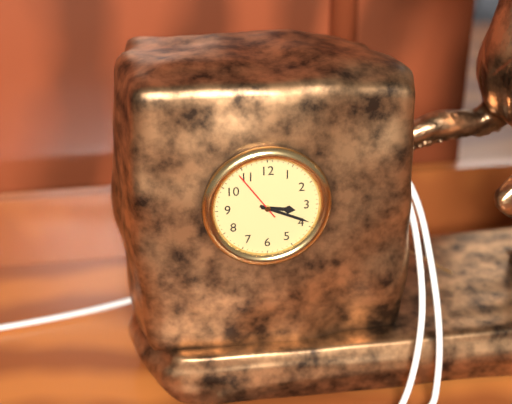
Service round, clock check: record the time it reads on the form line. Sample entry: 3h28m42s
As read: 3h19m54s
